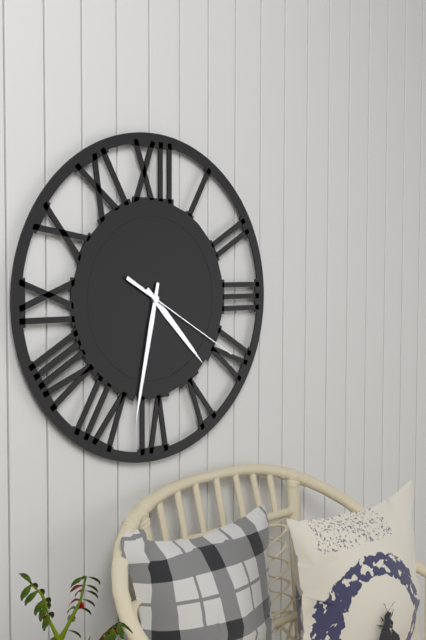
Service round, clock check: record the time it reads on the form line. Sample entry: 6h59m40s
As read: 4h32m20s
